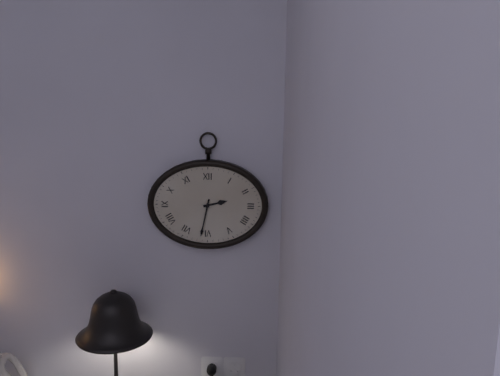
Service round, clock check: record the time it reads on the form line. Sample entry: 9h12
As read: 2h32
